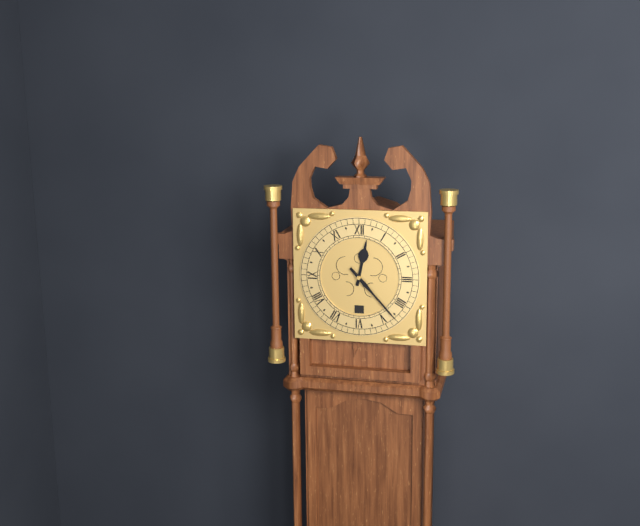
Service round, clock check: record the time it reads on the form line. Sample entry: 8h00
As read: 12h23
